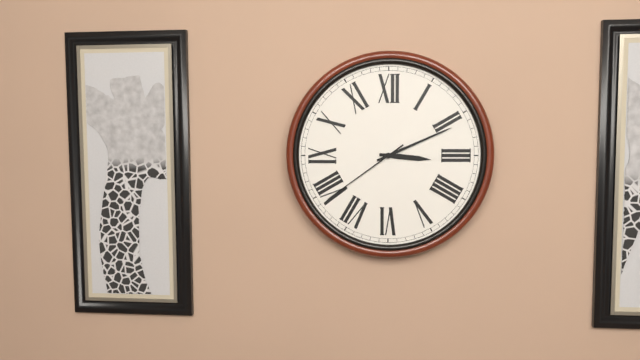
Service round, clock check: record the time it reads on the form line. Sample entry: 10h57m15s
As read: 3h11m39s
